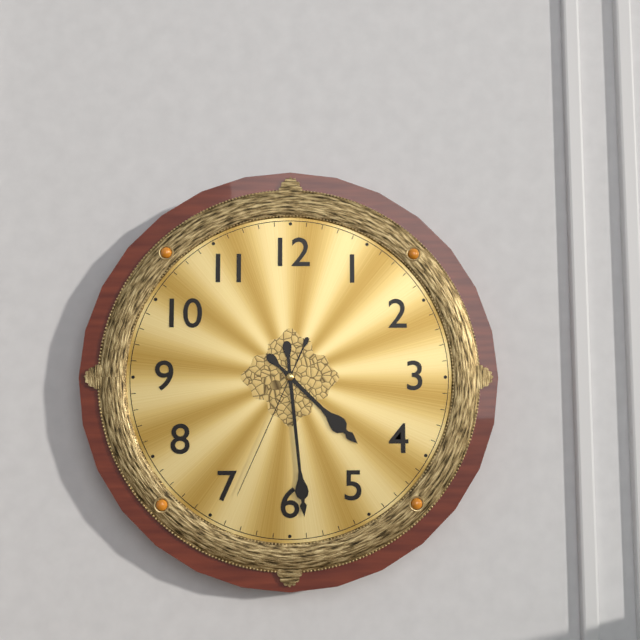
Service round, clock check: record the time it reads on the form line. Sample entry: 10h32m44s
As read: 4h29m34s
